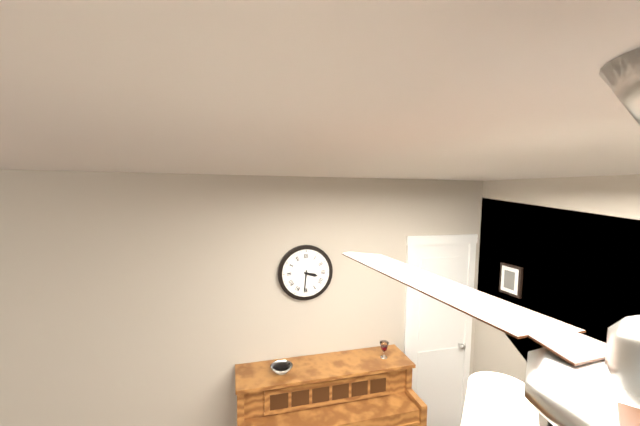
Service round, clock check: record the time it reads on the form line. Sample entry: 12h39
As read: 3h31
